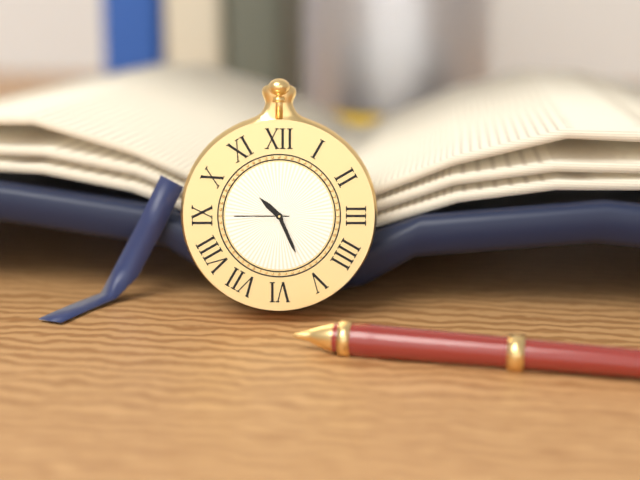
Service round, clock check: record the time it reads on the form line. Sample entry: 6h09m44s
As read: 10h26m45s
